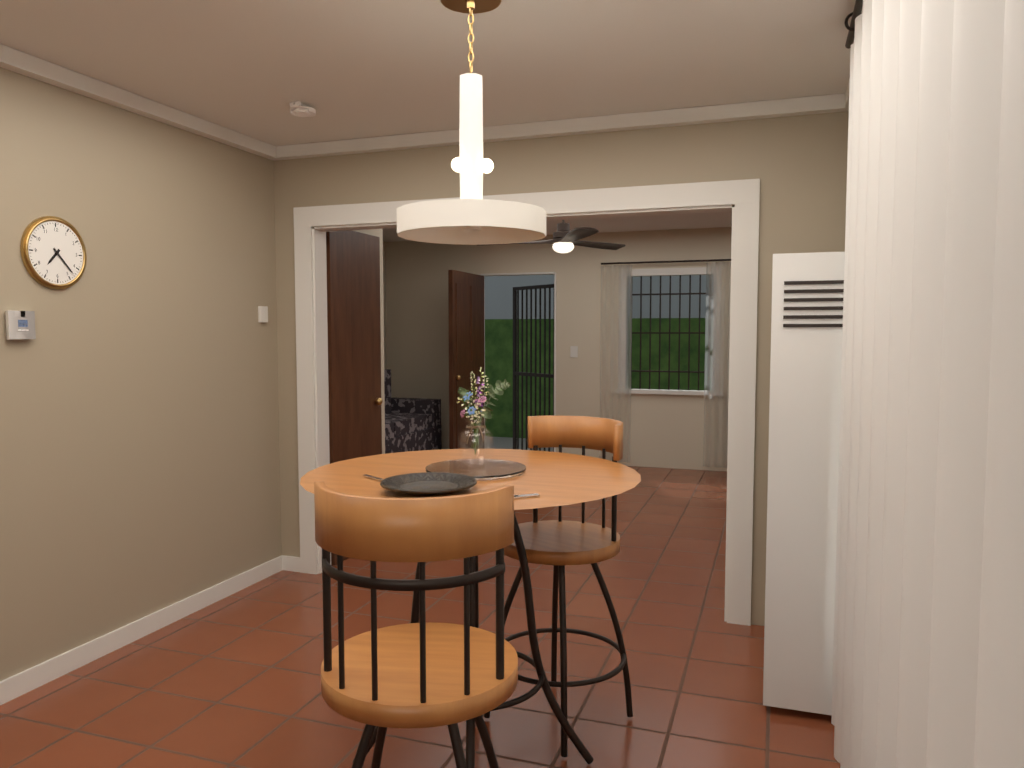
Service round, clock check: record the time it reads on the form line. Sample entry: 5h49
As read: 7h23
